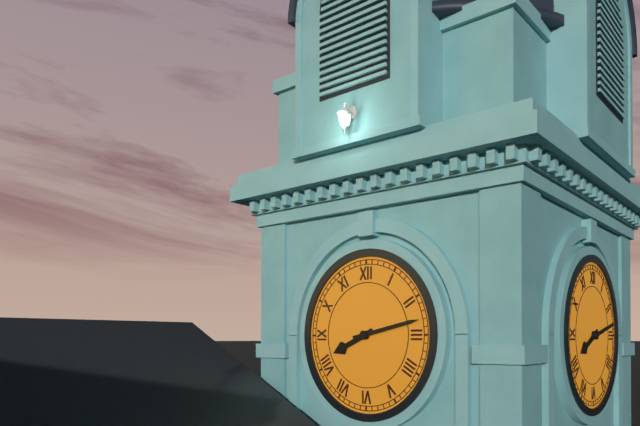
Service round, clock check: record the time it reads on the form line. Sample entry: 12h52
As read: 8h13
